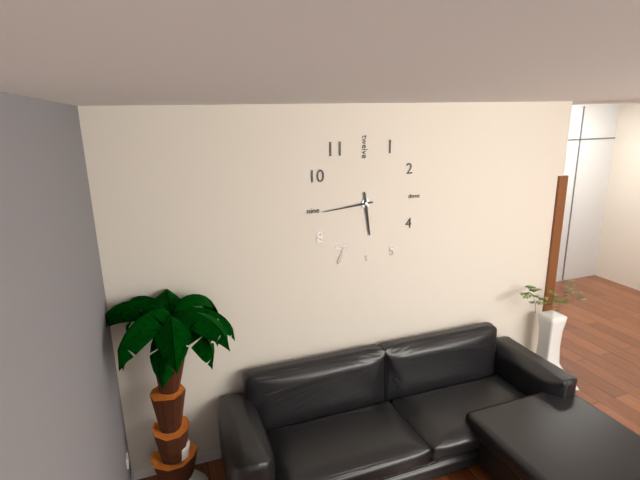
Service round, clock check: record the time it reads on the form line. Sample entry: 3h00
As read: 5h44
